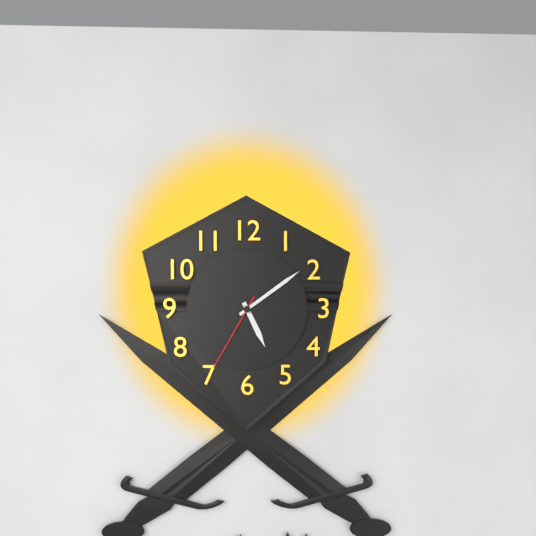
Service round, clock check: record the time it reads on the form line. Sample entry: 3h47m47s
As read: 5h09m35s
